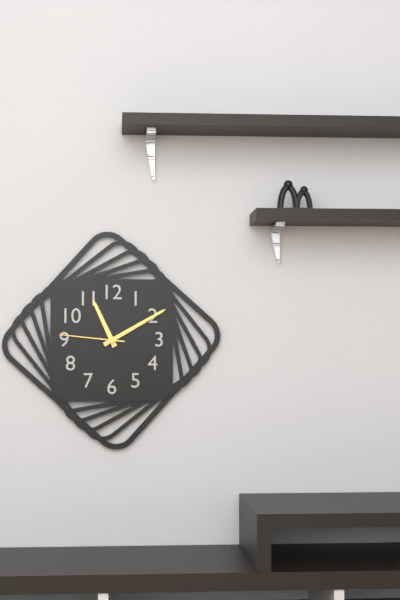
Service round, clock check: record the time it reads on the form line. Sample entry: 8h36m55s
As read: 11h10m46s
